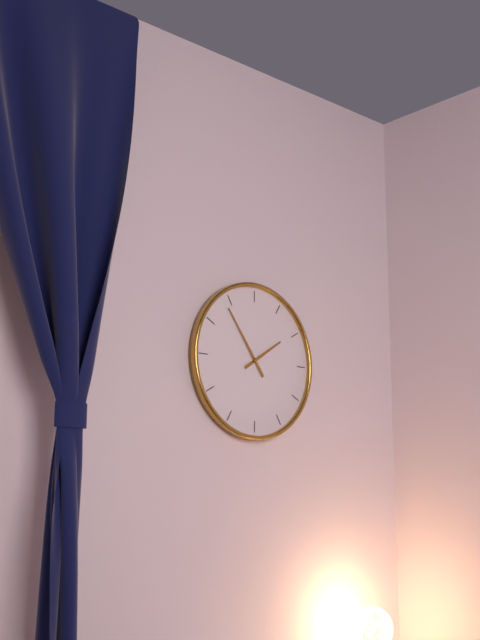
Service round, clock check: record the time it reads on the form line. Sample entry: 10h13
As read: 1h54
